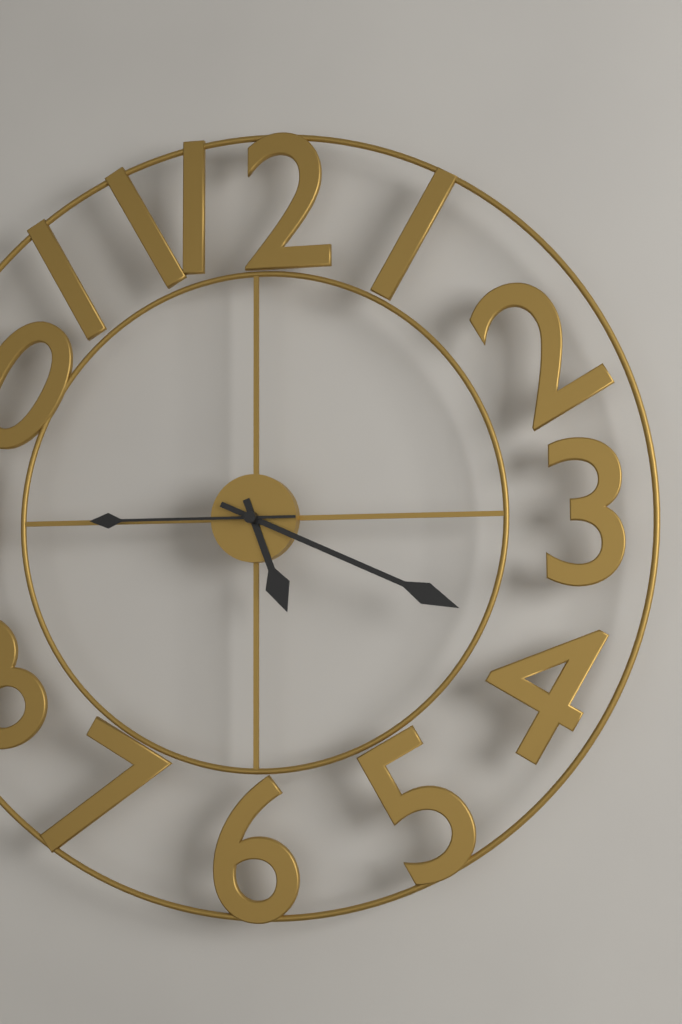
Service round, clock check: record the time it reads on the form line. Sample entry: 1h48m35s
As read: 5h19m45s
